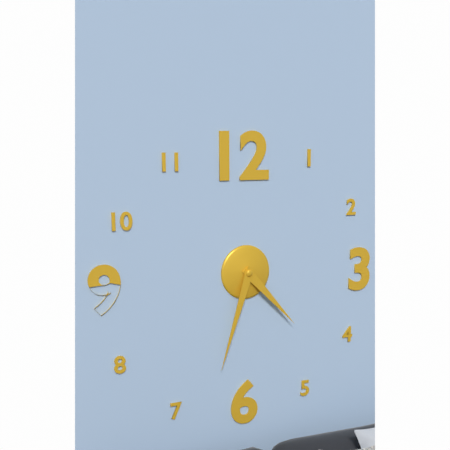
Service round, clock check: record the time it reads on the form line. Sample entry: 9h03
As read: 4h33
